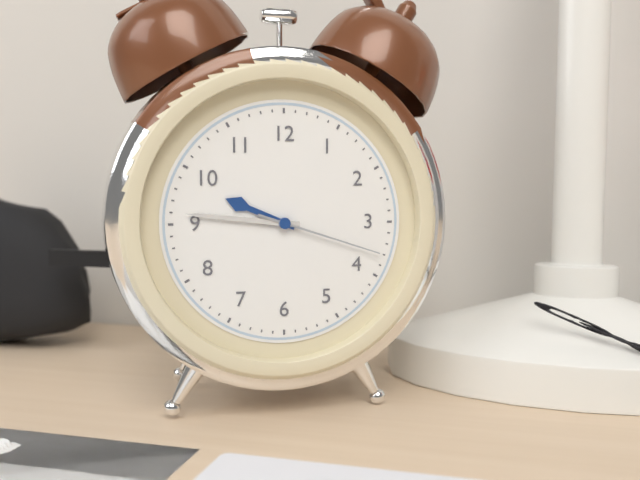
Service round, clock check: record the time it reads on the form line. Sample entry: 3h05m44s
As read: 9h46m18s
